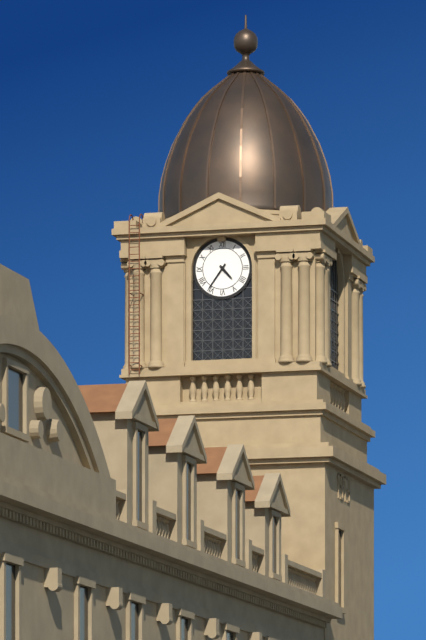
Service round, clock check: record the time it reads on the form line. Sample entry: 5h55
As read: 4h36
